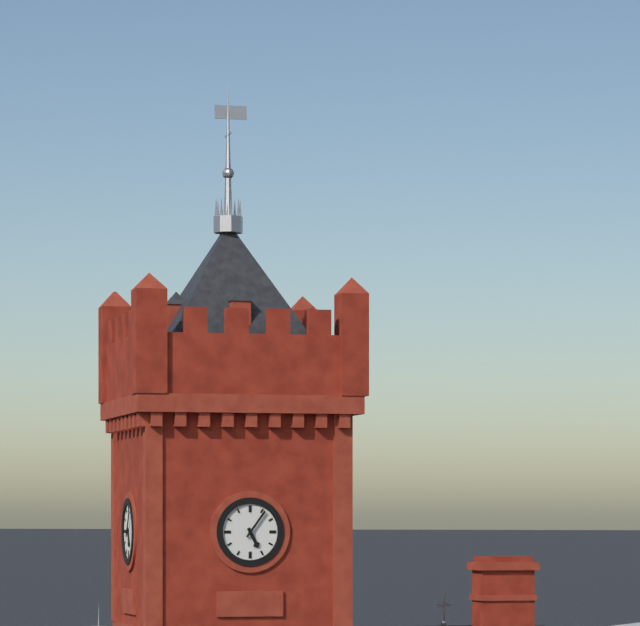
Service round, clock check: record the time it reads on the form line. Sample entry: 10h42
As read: 5h06
